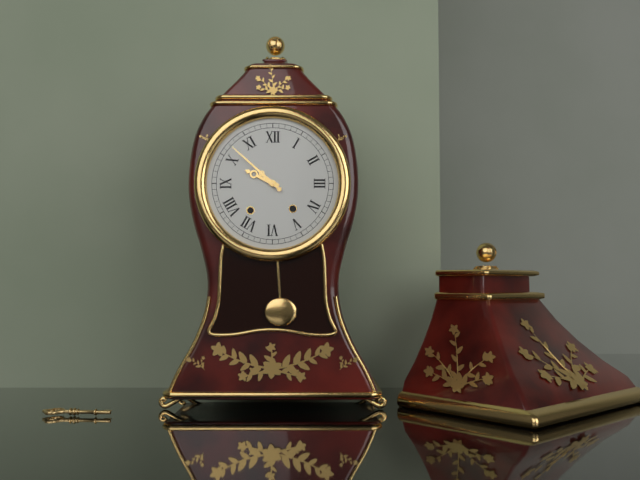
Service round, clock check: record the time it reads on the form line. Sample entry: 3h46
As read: 9h52
